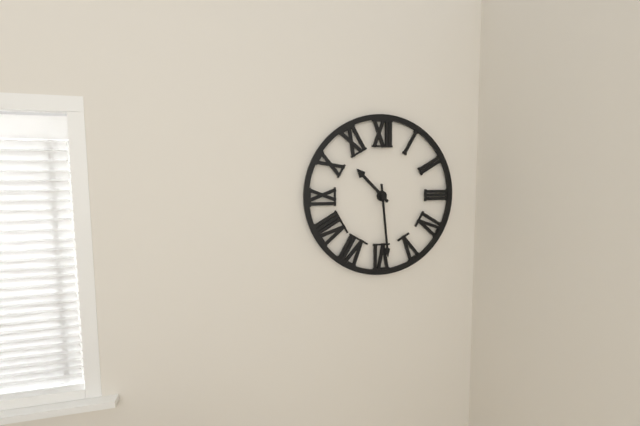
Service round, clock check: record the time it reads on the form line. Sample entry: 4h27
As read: 10h29
